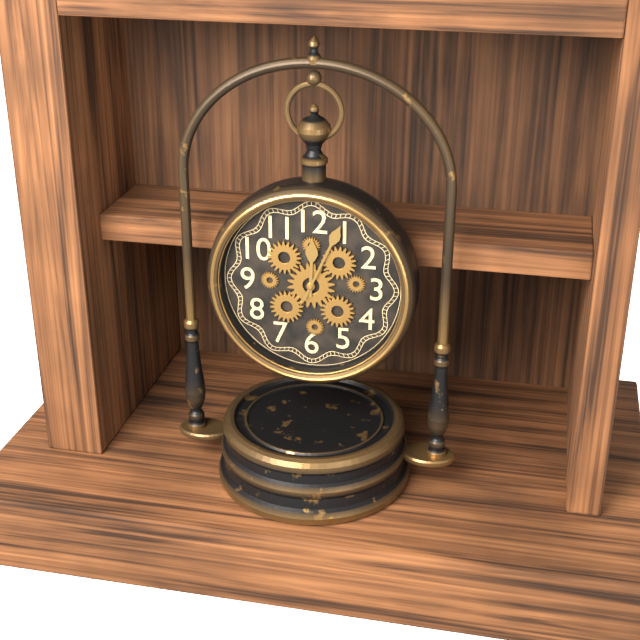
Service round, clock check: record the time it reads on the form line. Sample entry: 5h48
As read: 12h04
